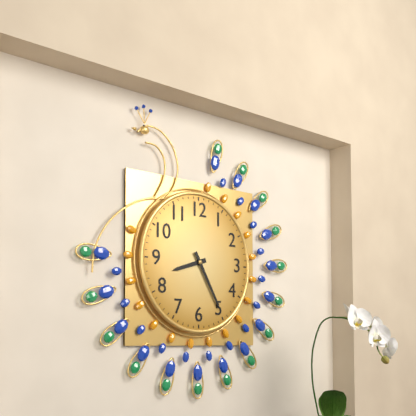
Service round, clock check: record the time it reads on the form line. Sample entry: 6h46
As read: 8h25
